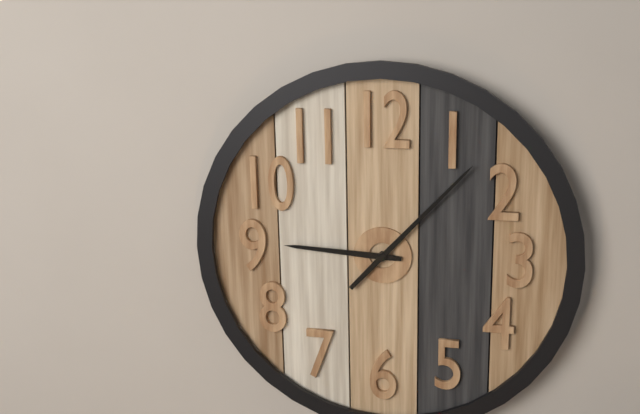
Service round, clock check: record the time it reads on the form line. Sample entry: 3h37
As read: 9h07
